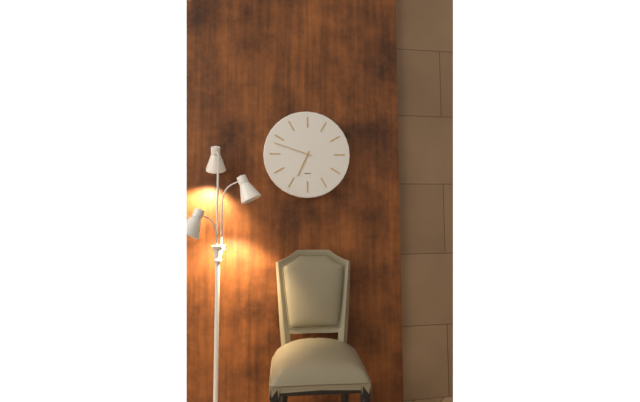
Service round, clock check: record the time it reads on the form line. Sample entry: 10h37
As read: 6h48
